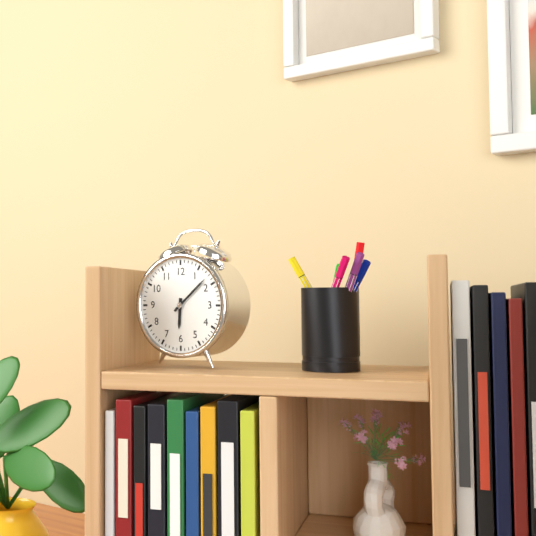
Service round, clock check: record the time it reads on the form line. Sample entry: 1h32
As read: 6h08
